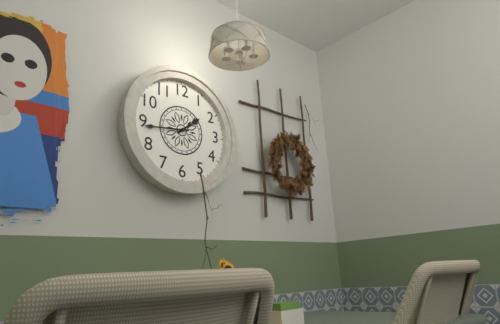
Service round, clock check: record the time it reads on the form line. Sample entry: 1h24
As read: 1h44
